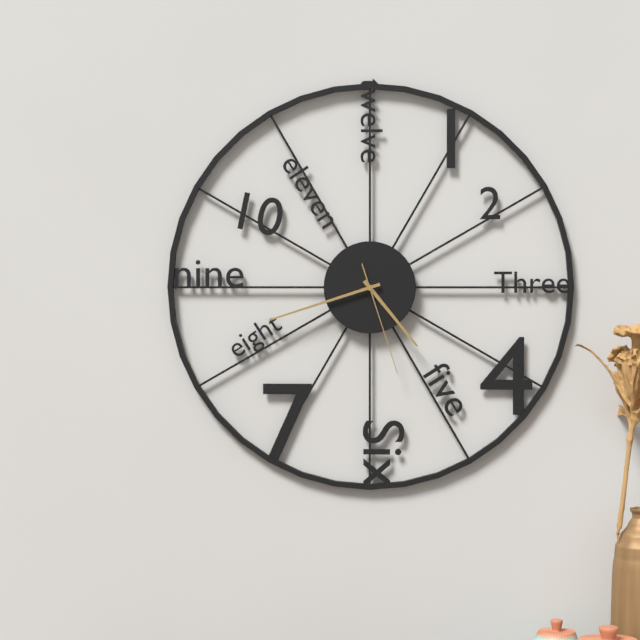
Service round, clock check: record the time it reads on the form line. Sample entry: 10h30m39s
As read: 4h42m27s
